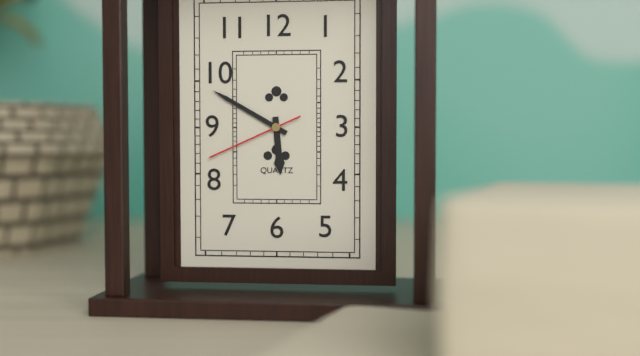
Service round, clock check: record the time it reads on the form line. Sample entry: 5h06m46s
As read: 5h50m41s
